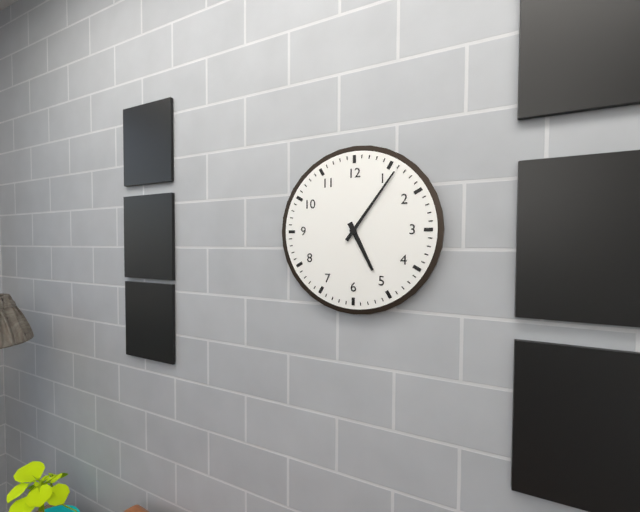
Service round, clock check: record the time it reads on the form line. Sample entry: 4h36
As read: 5h06
